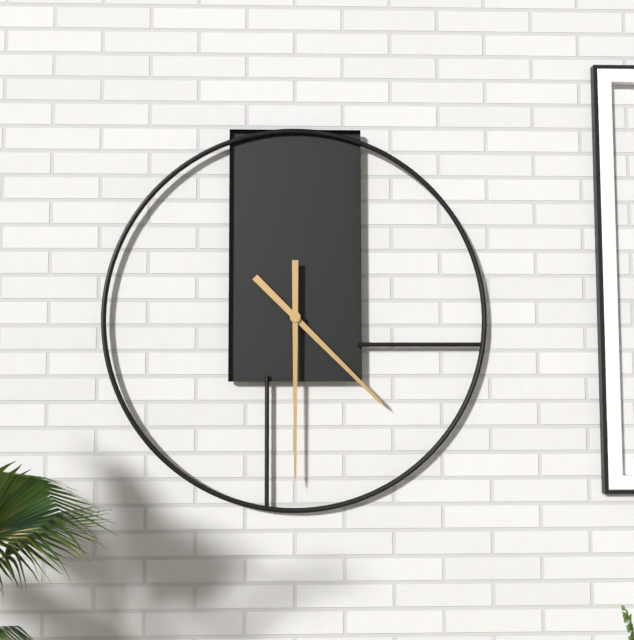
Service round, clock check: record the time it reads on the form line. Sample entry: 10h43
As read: 4h30
